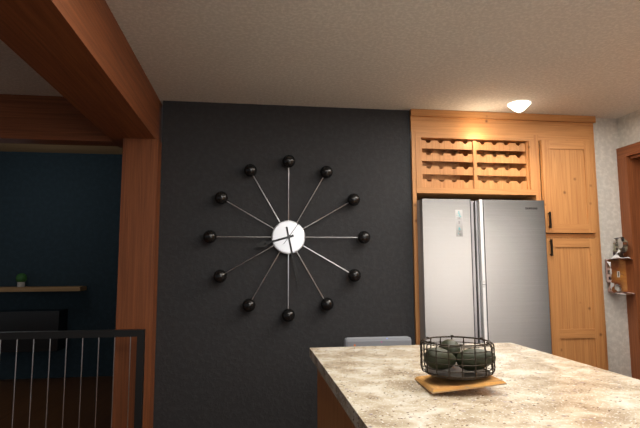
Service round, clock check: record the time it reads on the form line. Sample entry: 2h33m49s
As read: 8h28m06s
